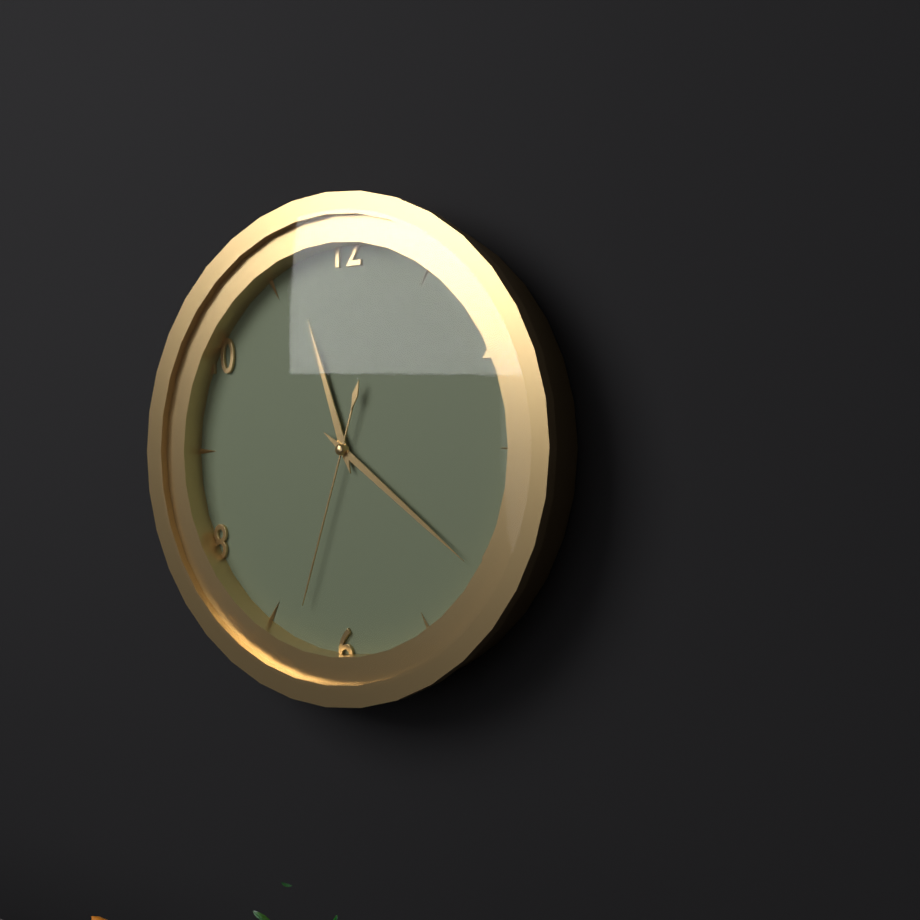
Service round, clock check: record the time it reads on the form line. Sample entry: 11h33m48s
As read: 11h21m33s
